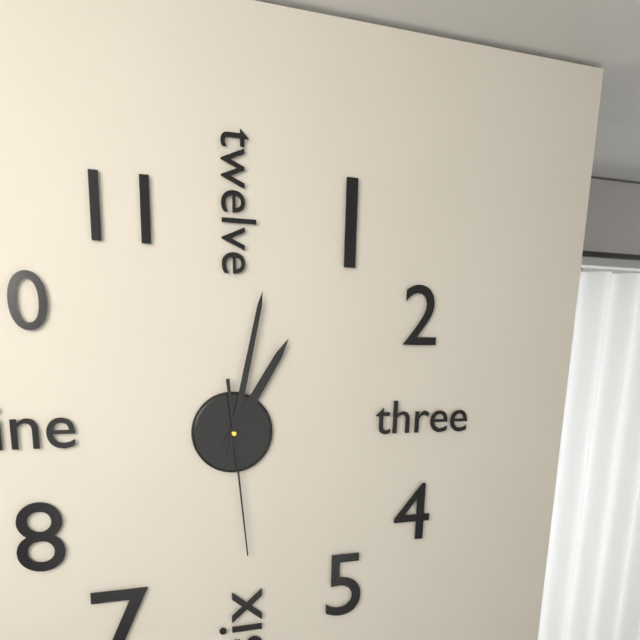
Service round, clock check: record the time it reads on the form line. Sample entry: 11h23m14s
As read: 1h02m29s
